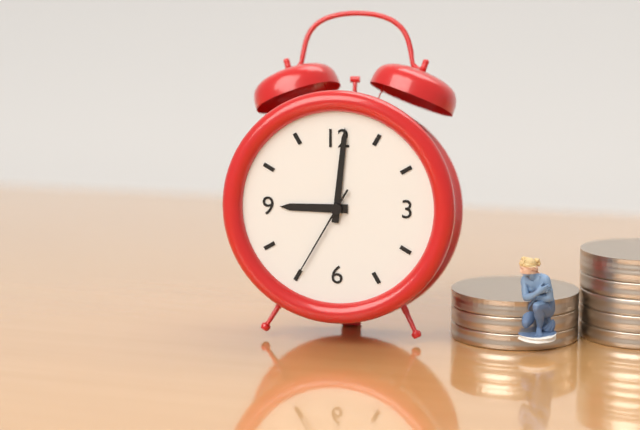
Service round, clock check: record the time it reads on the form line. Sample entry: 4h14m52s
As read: 9h01m35s
